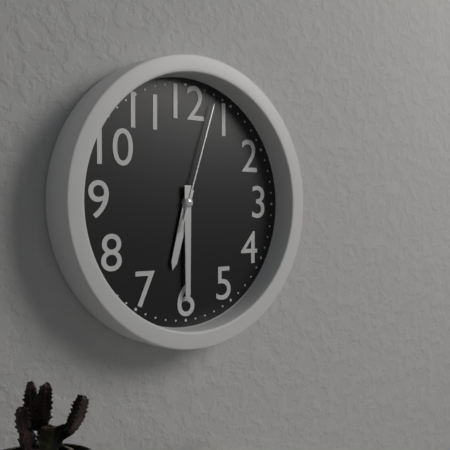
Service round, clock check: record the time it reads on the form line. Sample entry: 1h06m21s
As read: 6h30m03s
